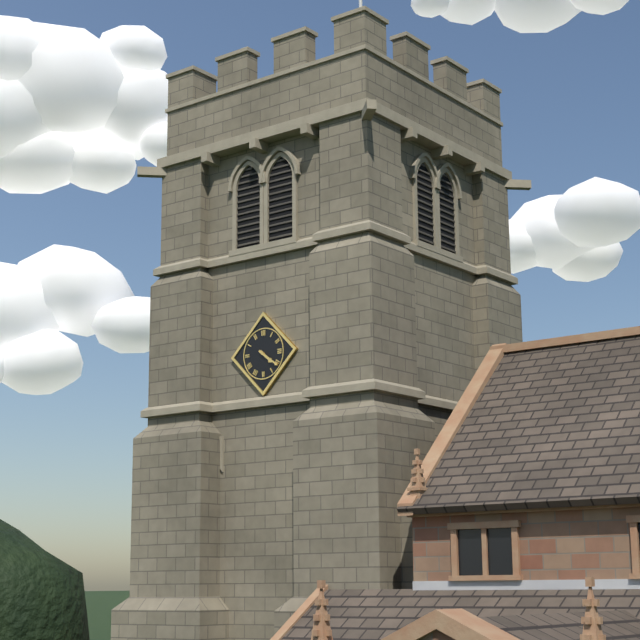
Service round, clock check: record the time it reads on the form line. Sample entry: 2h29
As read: 4h21
